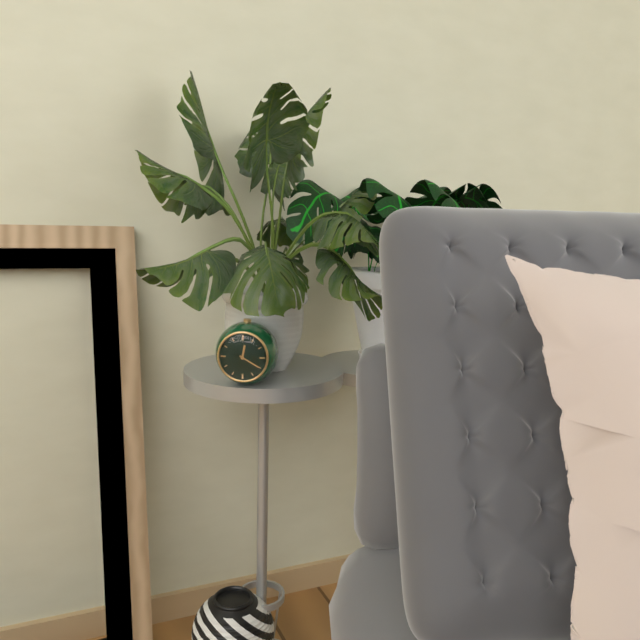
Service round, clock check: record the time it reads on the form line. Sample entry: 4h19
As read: 12h20
